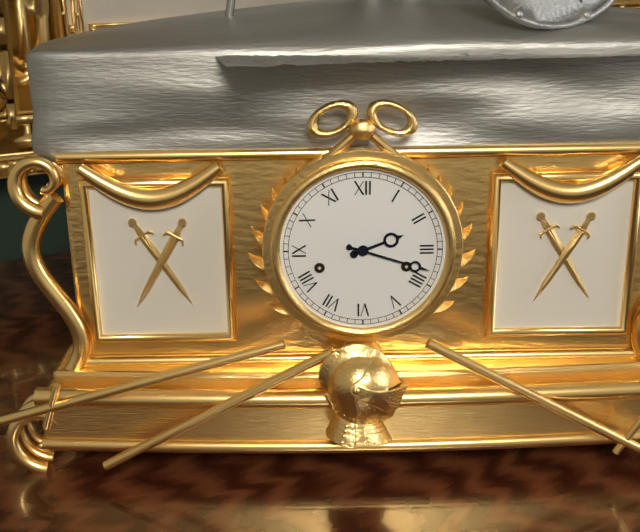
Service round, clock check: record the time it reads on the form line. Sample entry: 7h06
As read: 2h18
